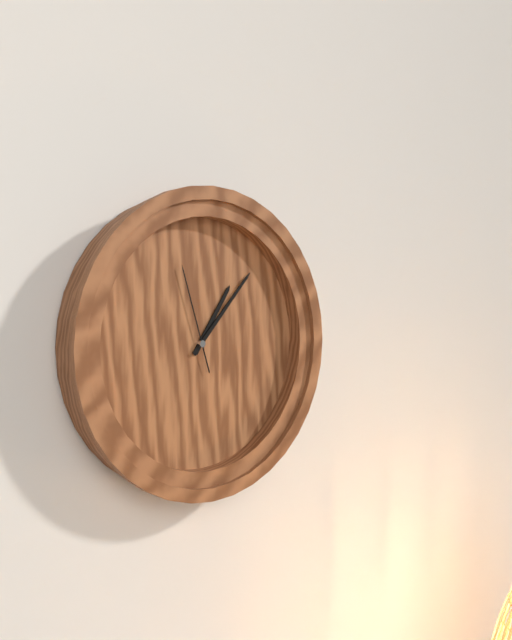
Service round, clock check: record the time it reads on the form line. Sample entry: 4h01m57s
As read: 1h07m57s
